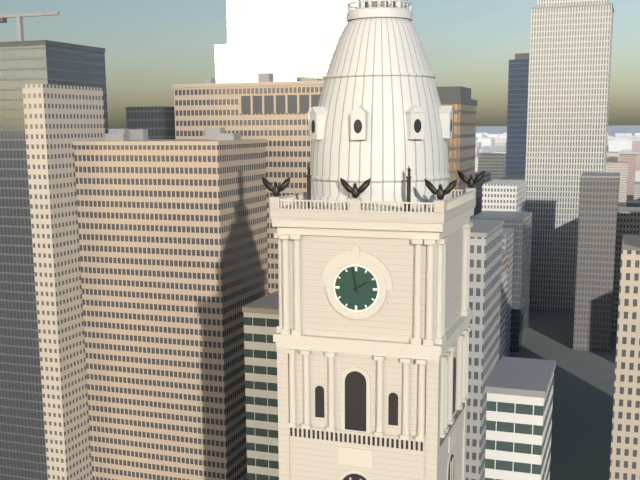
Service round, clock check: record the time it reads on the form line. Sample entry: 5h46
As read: 1h58
